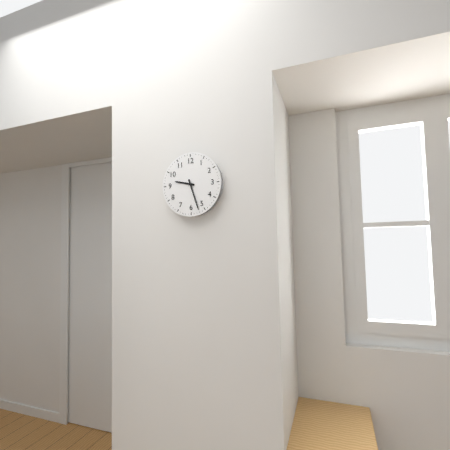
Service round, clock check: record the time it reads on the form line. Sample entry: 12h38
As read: 9h27
